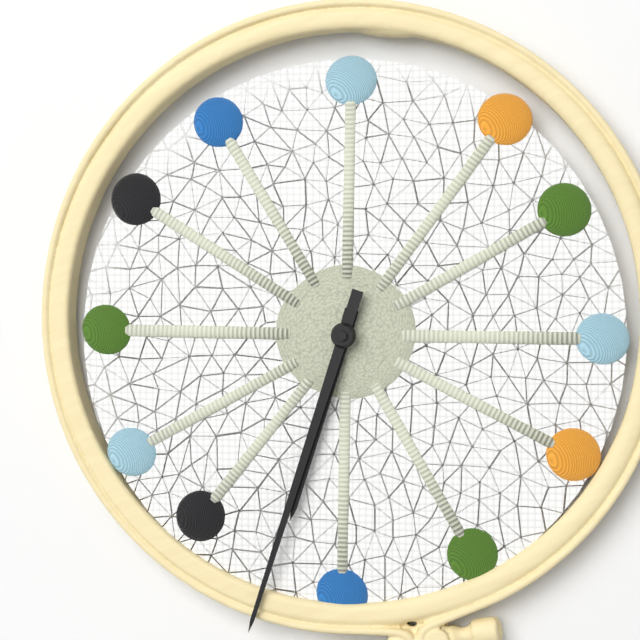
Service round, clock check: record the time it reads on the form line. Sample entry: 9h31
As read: 6h33
